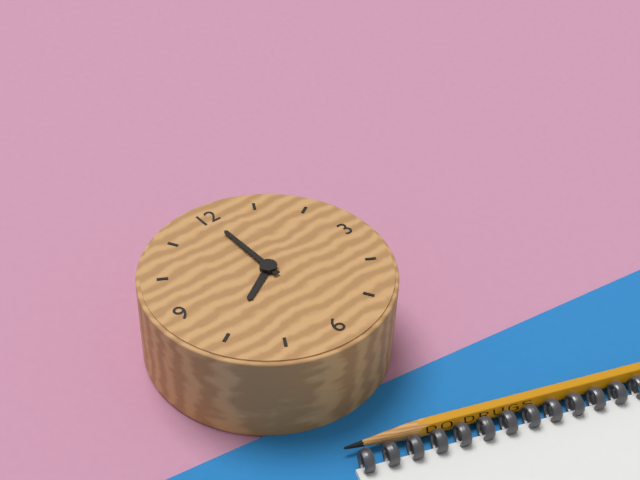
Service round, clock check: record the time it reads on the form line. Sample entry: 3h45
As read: 8h00
